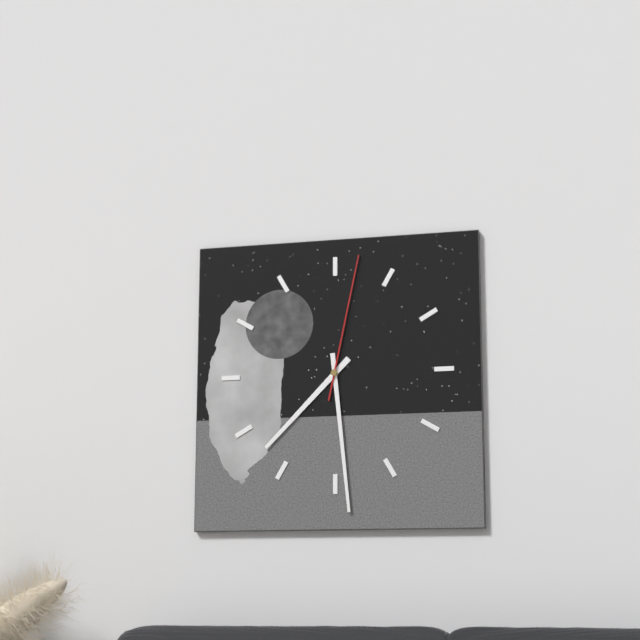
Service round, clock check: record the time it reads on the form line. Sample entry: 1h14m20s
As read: 7h29m02s
